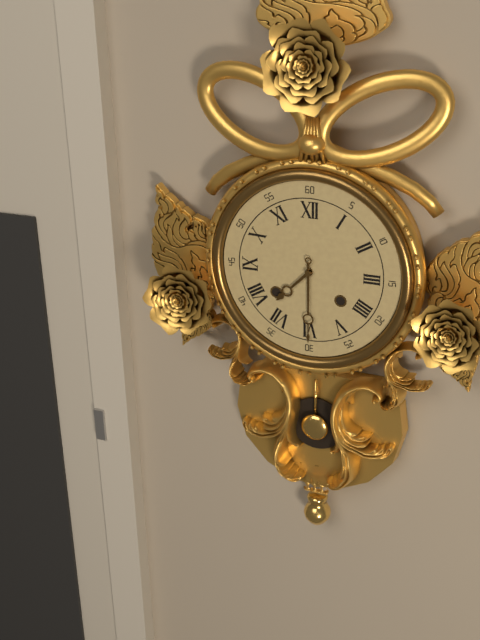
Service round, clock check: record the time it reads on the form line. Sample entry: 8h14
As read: 7h30
